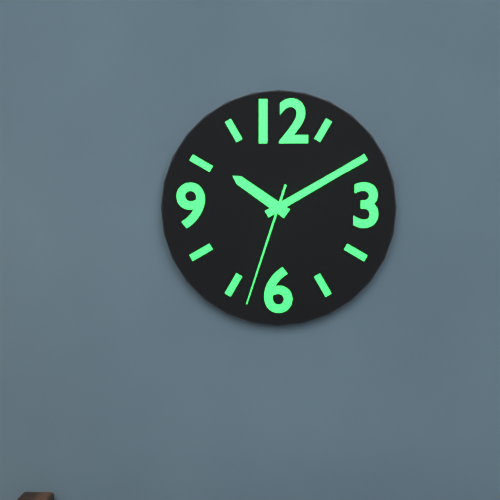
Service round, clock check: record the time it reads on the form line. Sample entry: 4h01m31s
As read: 10h10m33s
